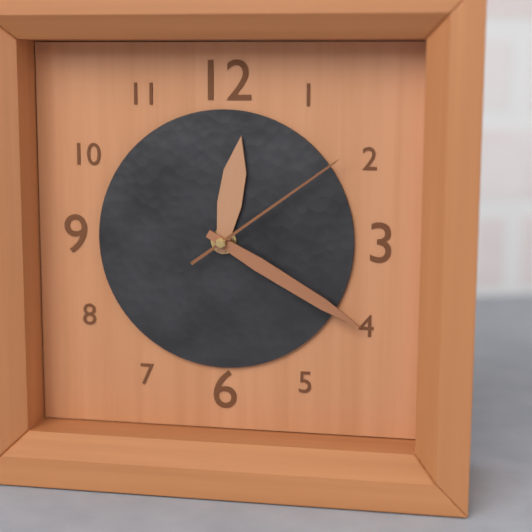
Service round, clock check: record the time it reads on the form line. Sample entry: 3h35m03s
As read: 12h20m09s
